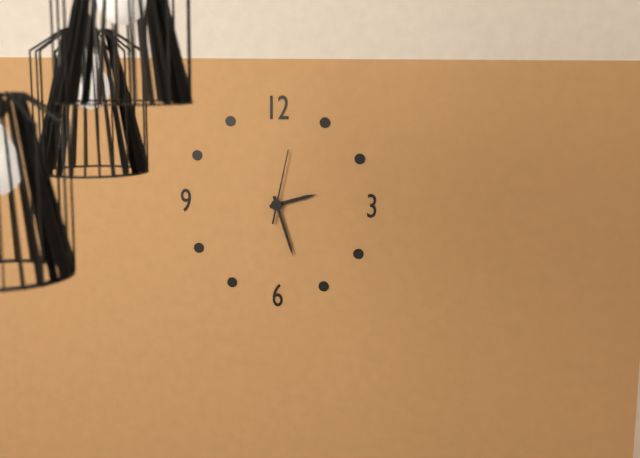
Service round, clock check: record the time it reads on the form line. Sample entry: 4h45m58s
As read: 2h27m02s
